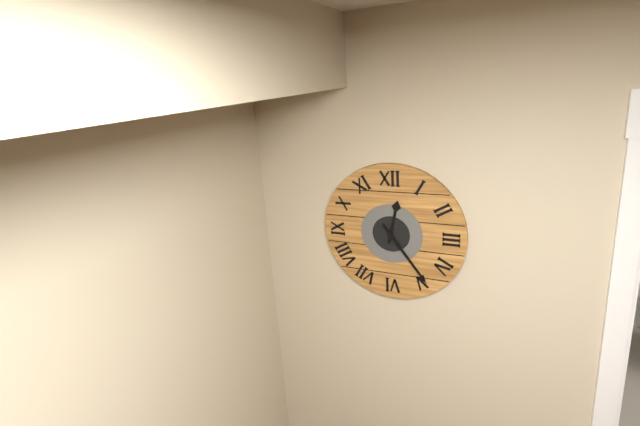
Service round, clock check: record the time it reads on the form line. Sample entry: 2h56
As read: 12h24
